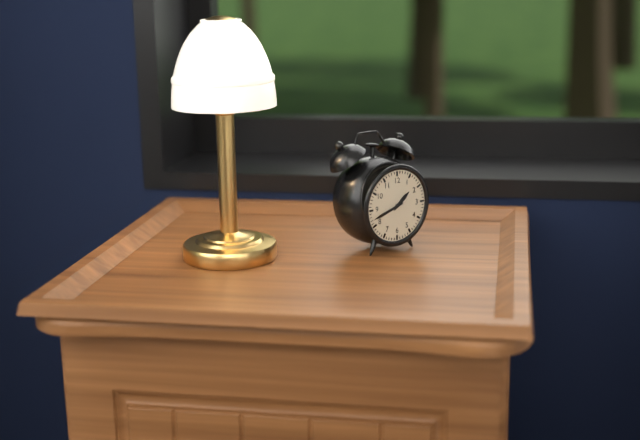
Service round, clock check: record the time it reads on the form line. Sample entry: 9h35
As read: 1h42
